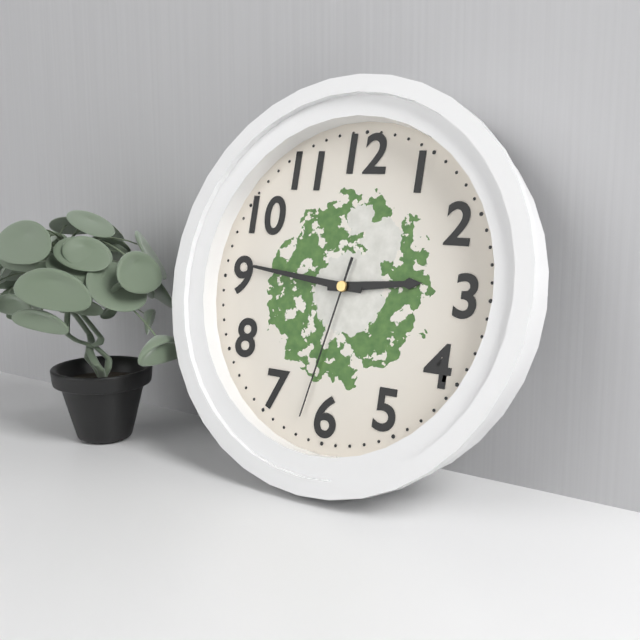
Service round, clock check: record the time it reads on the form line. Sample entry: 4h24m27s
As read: 2h46m32s
